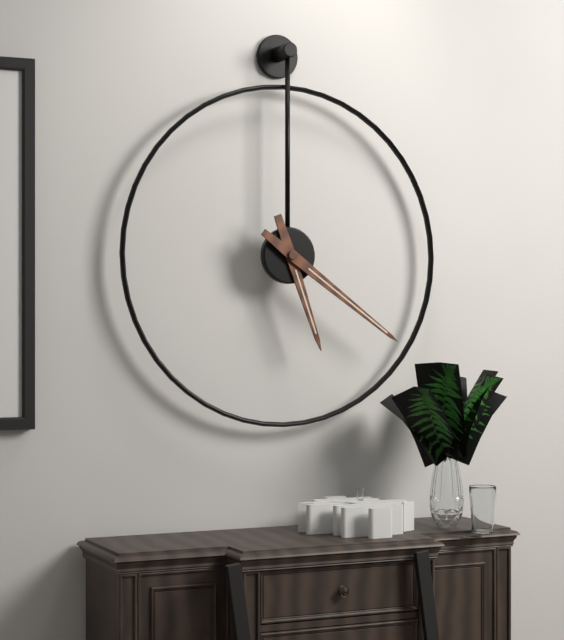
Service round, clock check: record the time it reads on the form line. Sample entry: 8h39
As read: 5h21
